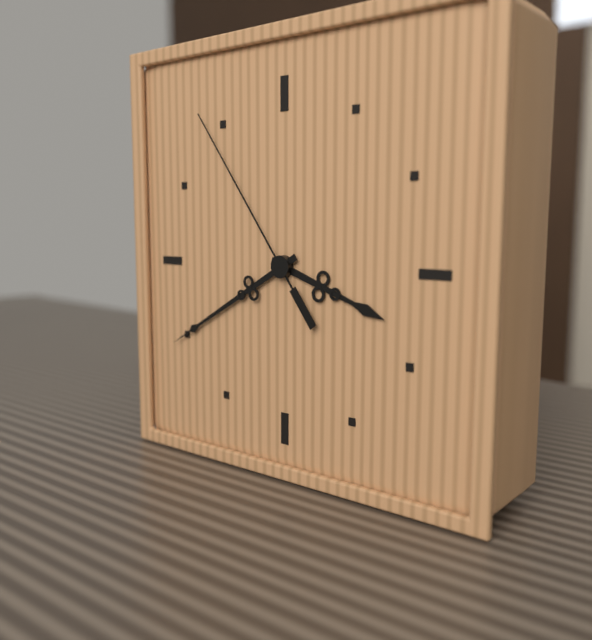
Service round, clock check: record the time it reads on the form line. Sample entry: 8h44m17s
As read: 3h40m54s
